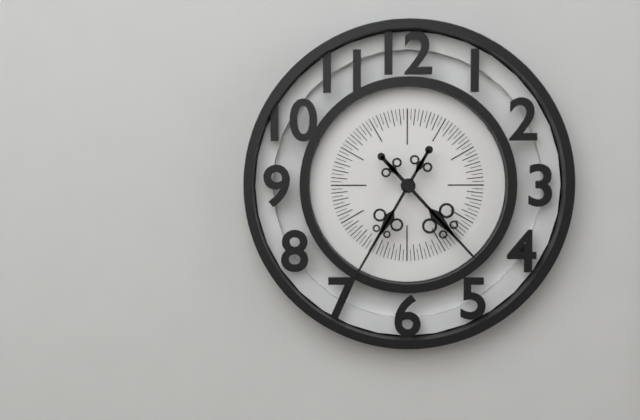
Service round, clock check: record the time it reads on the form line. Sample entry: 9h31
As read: 4h35
